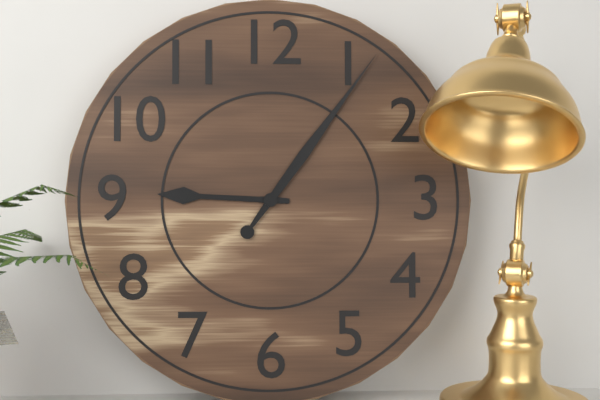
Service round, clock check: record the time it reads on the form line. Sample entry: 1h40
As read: 9h06
